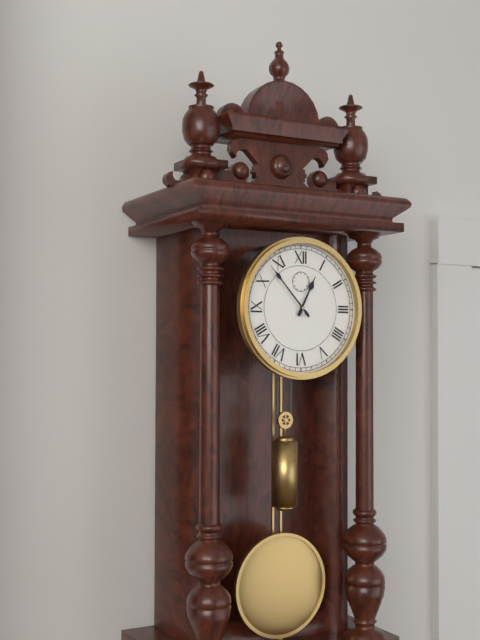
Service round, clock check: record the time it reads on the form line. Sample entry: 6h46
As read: 12h53
